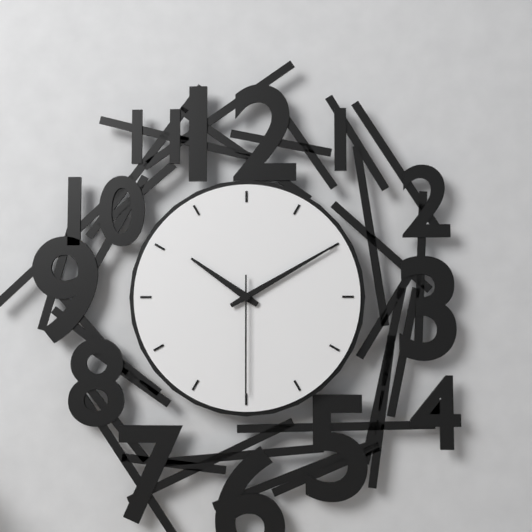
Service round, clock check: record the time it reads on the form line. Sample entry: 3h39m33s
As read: 10h10m30s
